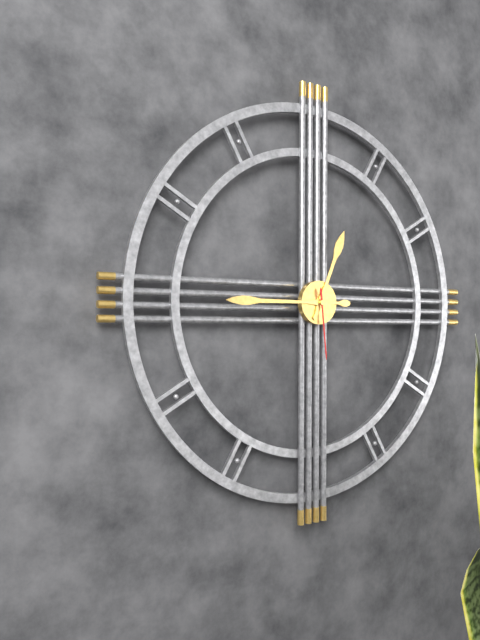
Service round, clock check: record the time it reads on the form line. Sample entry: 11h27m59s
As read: 12h45m29s
